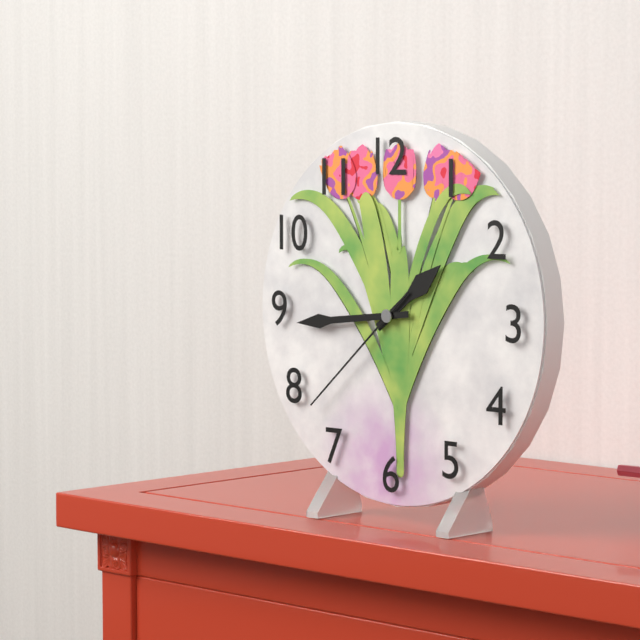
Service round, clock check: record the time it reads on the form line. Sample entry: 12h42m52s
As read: 1h44m38s
